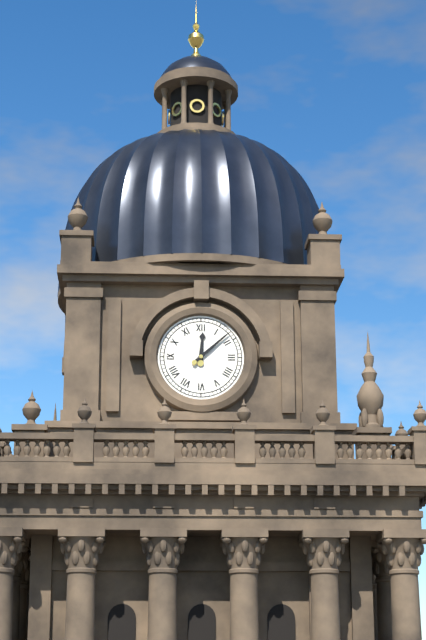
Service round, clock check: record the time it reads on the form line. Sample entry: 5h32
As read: 12h08
